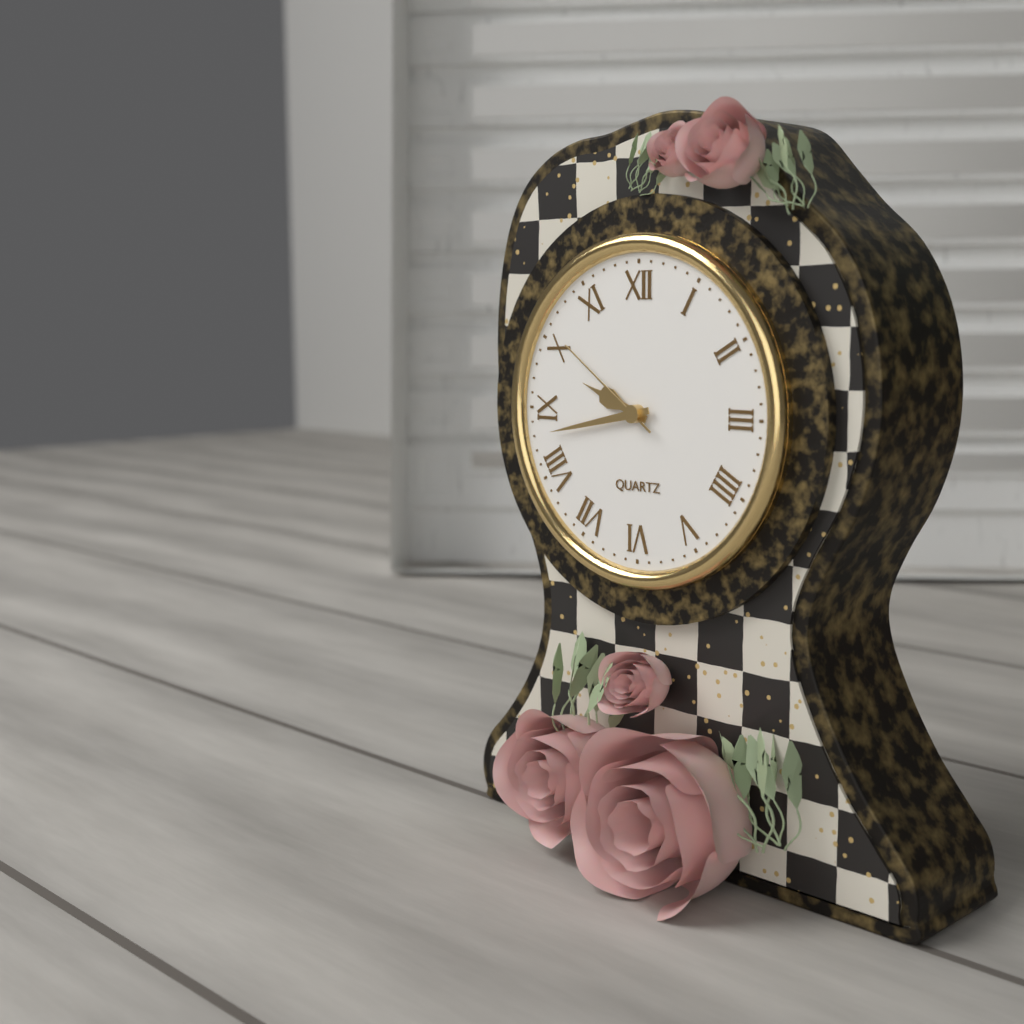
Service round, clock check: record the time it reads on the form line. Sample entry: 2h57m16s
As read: 9h43m51s
